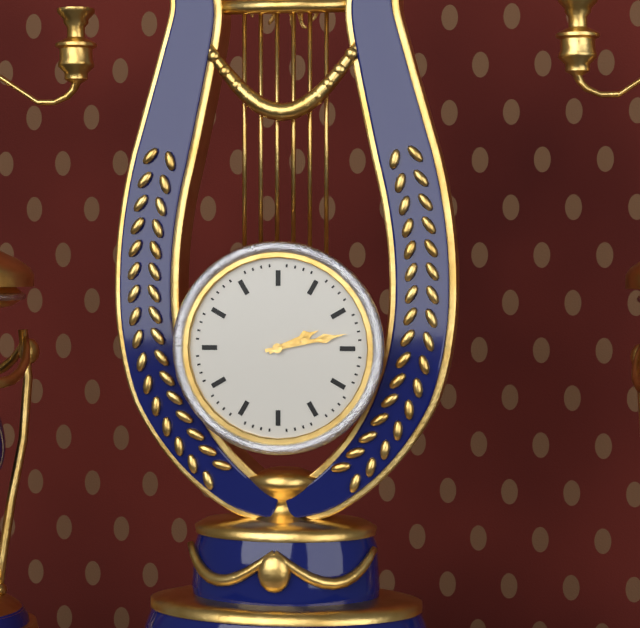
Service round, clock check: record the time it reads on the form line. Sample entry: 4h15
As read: 2h13
